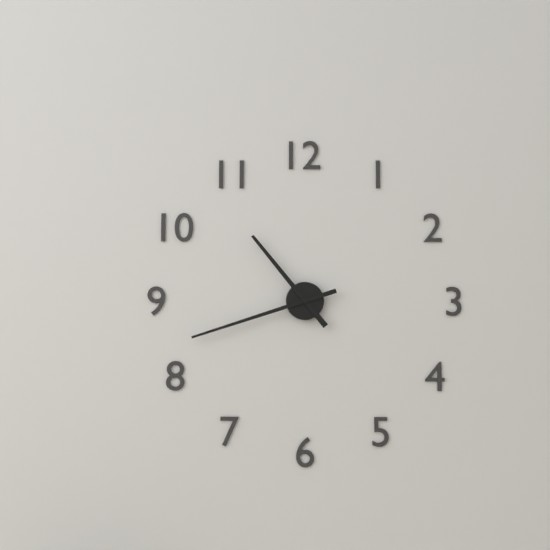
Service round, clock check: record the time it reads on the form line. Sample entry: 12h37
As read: 10h42
